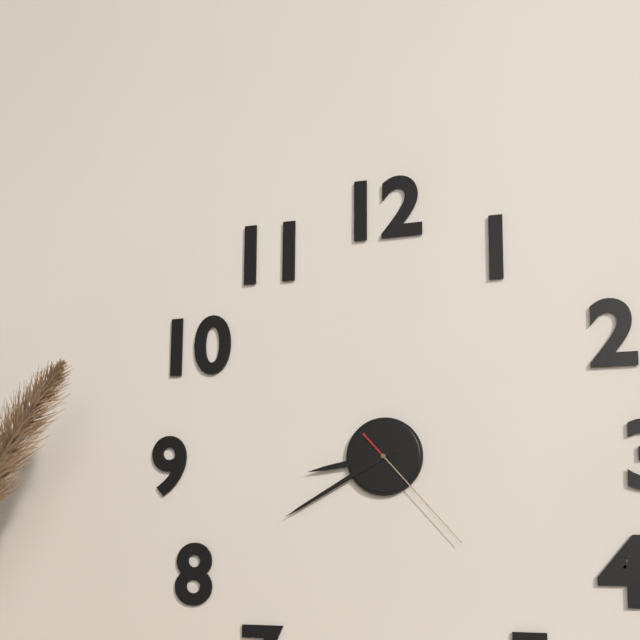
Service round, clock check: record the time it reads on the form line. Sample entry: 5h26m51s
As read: 8h40m23s
